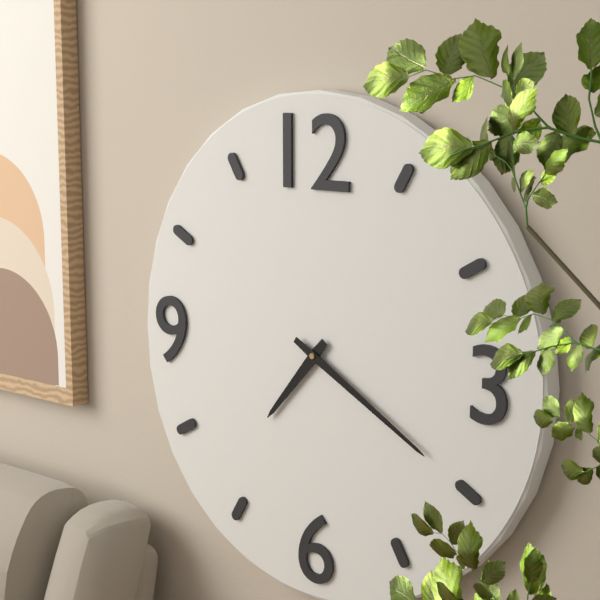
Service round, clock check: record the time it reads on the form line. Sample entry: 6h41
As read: 7h20
